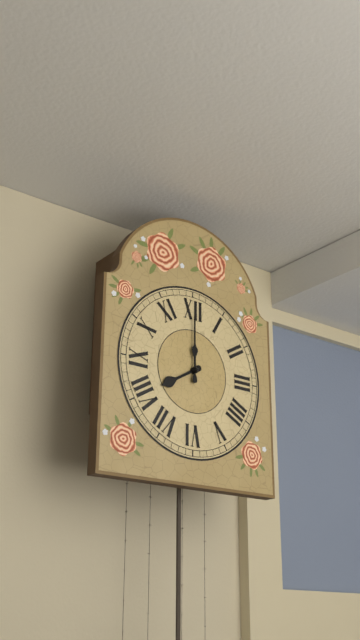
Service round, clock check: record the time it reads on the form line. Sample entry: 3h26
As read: 8h00
